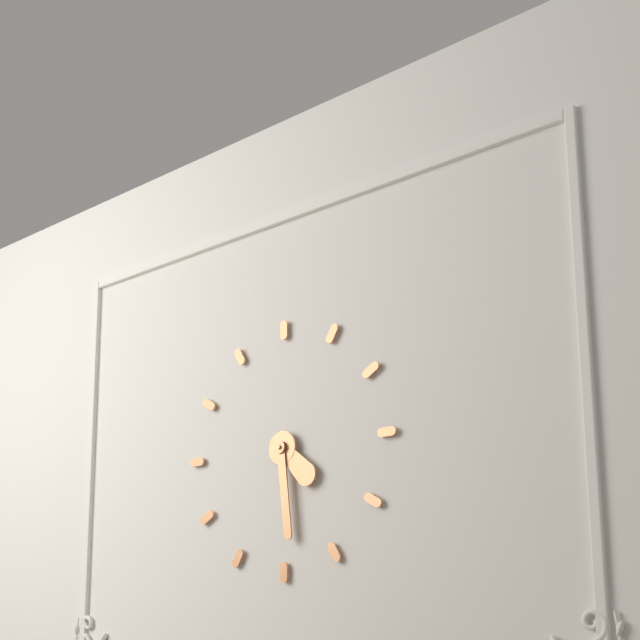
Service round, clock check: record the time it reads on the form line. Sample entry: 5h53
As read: 4h29
